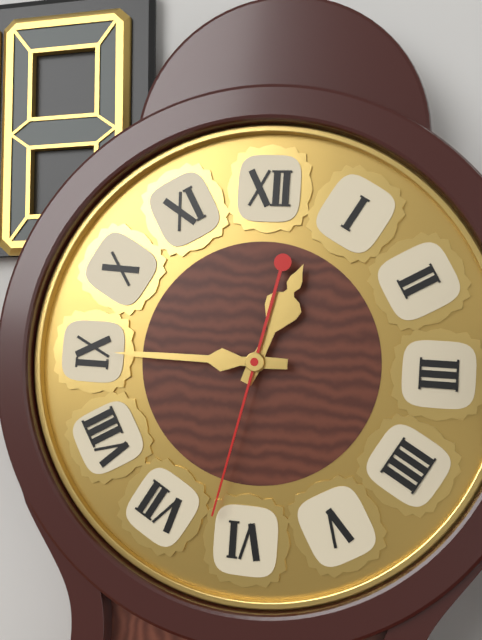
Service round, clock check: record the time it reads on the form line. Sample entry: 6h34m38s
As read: 12h45m32s
